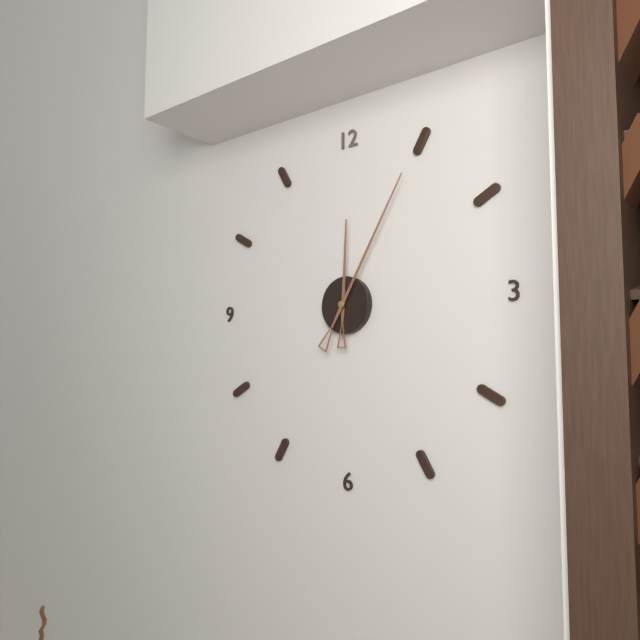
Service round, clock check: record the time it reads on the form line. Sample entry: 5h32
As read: 12h05
